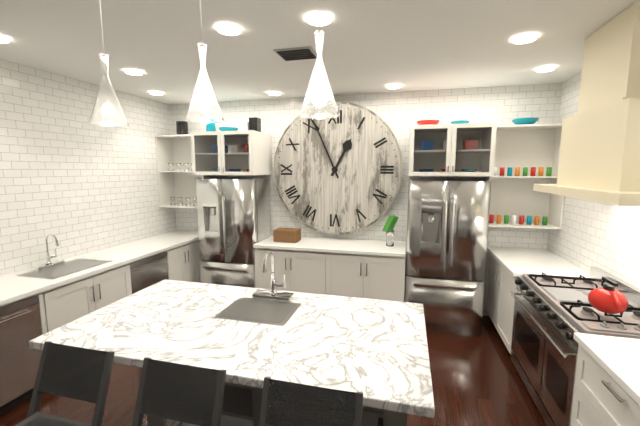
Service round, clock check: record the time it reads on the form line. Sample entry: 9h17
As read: 12h56
